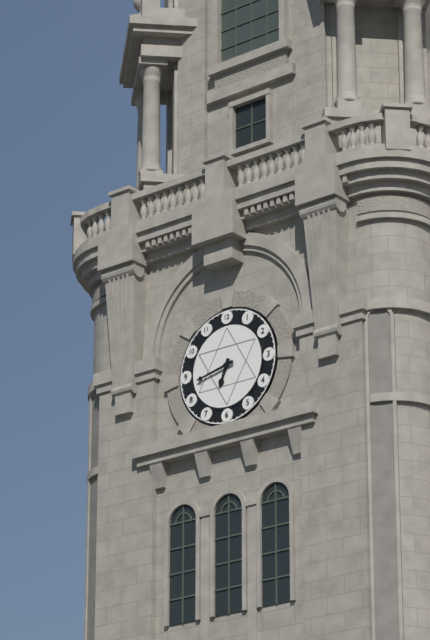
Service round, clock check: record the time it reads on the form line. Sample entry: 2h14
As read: 6h43
